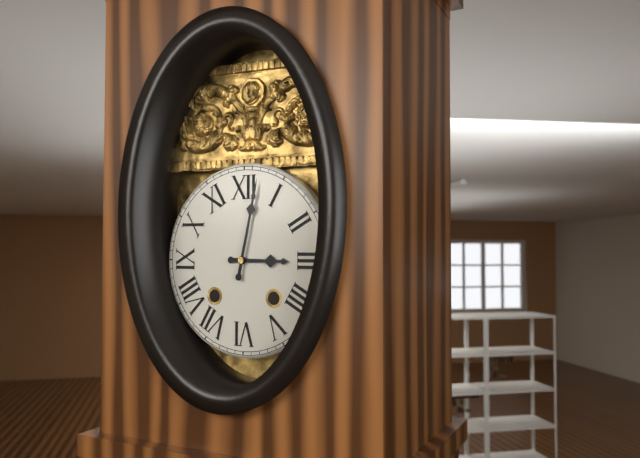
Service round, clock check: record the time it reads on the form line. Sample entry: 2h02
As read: 3h02
